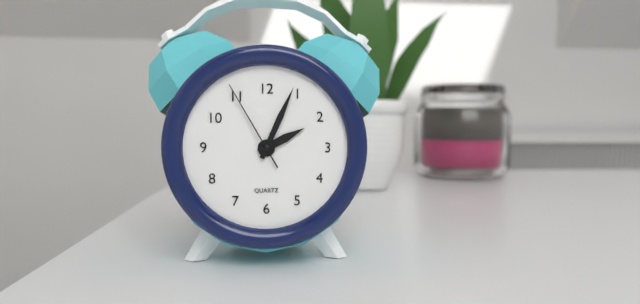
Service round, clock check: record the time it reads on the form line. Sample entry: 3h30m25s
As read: 2h04m55s
